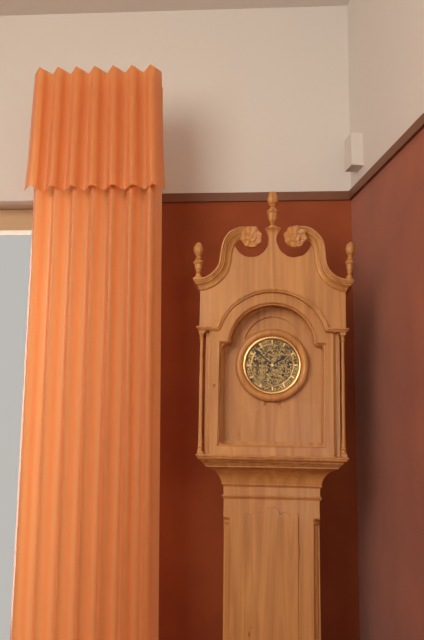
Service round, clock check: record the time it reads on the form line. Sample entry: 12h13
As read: 1h52
